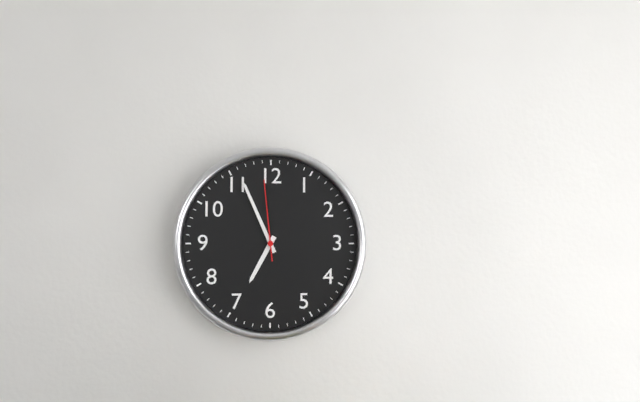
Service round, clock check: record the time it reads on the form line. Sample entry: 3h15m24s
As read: 6h56m59s
